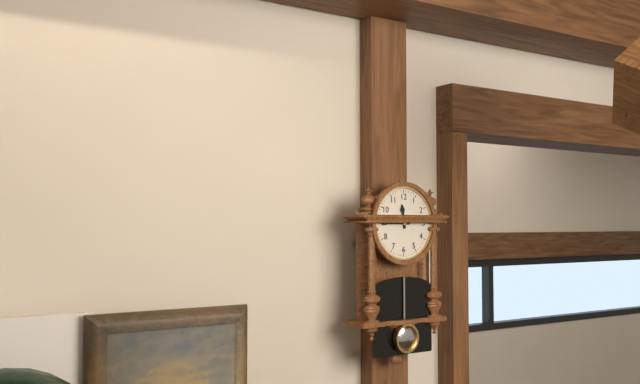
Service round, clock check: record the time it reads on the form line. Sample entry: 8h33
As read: 11h45
